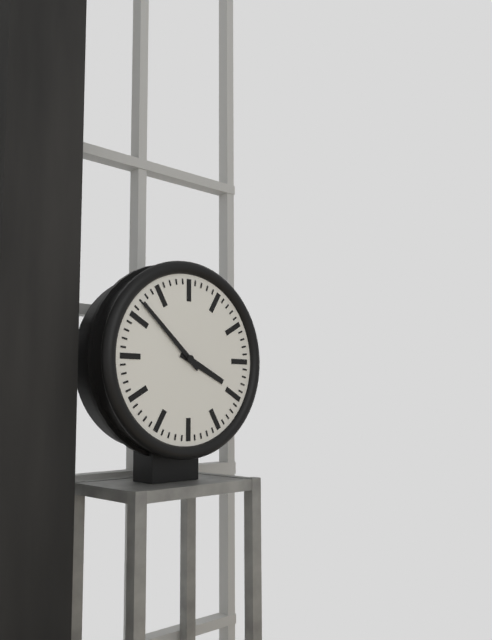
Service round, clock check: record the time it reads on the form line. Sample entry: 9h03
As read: 3h52
